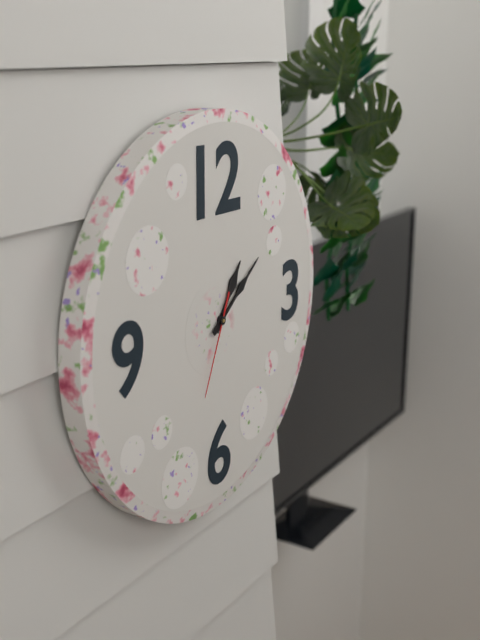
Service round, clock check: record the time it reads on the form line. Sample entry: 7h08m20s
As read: 1h09m34s
